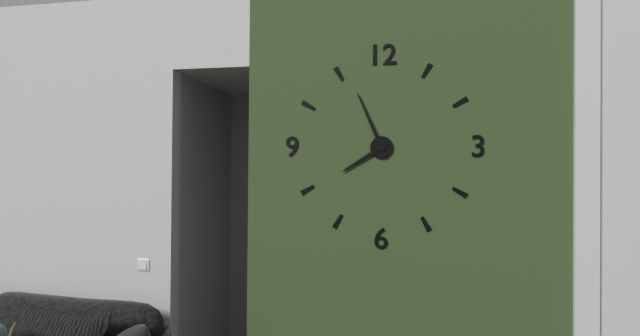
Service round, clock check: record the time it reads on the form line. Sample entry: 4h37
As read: 7h56
